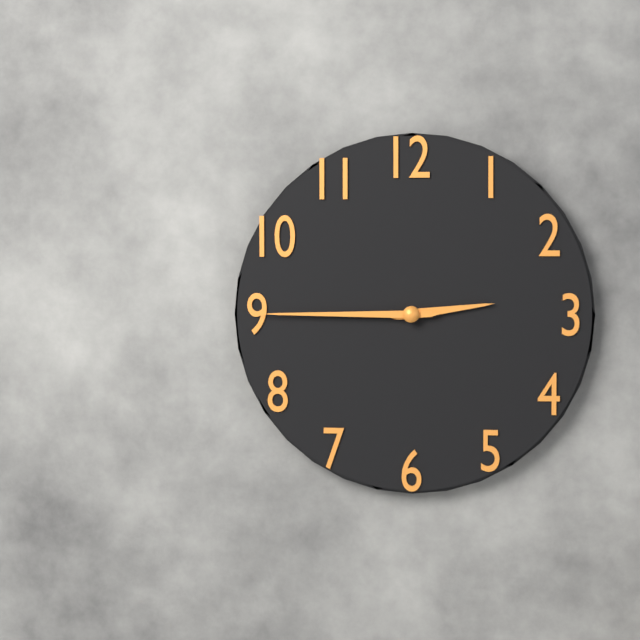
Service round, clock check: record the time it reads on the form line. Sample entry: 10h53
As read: 2h45
